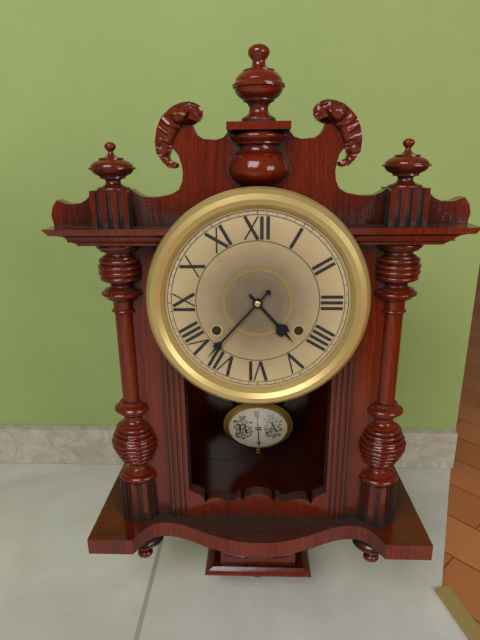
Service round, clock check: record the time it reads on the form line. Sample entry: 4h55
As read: 4h37
